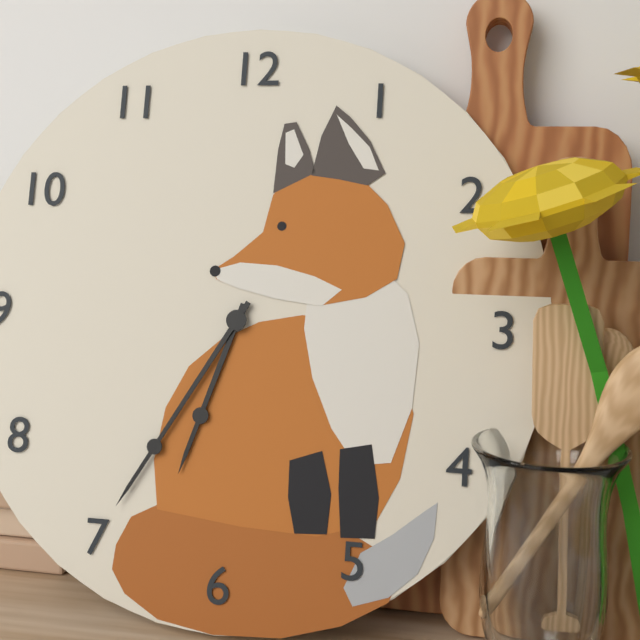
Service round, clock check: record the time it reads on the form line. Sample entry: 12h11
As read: 6h35
